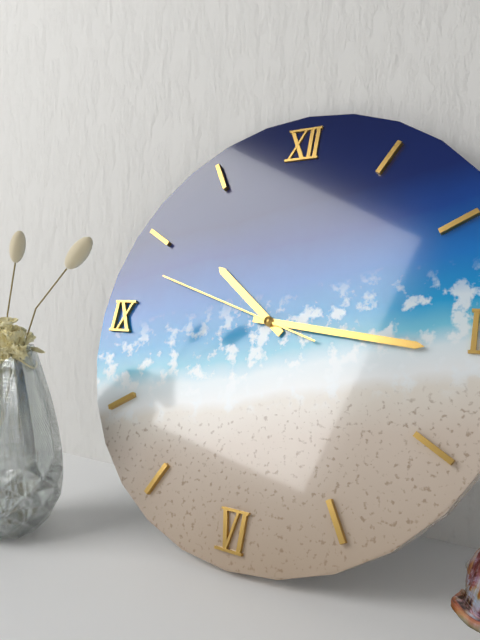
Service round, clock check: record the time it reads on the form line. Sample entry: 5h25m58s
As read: 10h16m48s
